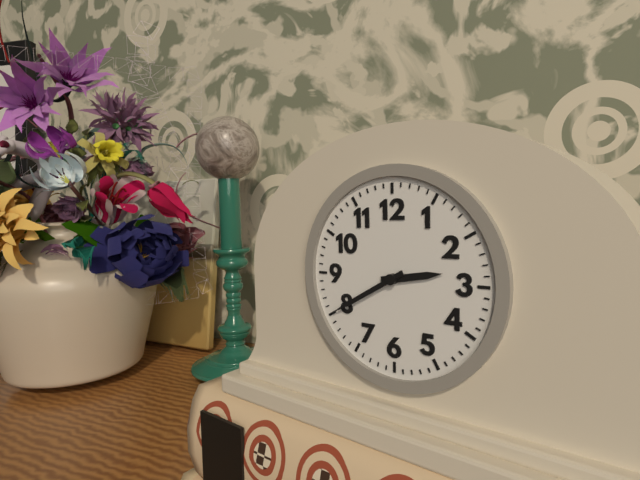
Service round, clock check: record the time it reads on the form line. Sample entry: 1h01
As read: 2h40
